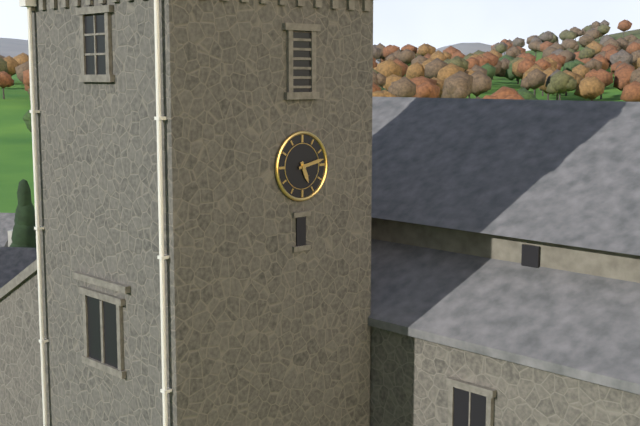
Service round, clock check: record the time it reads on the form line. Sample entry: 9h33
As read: 5h13
